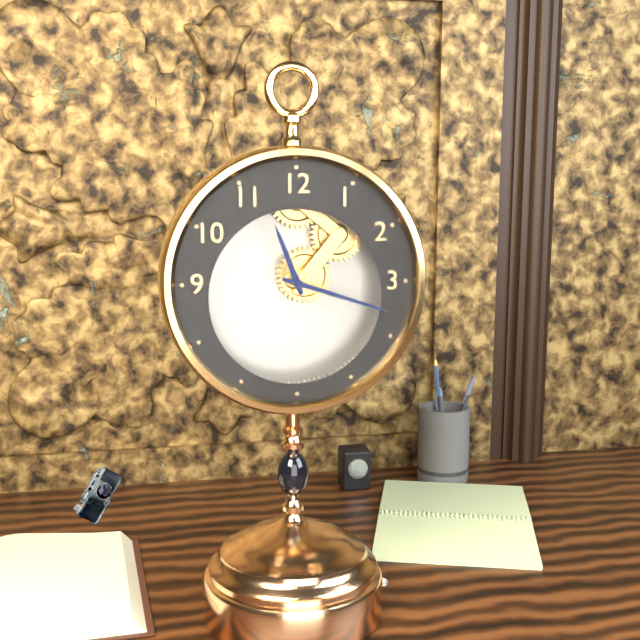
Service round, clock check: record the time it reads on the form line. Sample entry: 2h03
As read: 11h18
